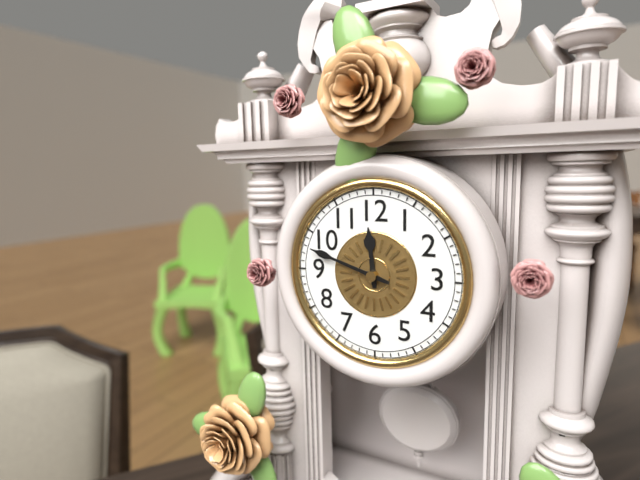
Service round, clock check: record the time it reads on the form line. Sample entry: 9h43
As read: 11h48
